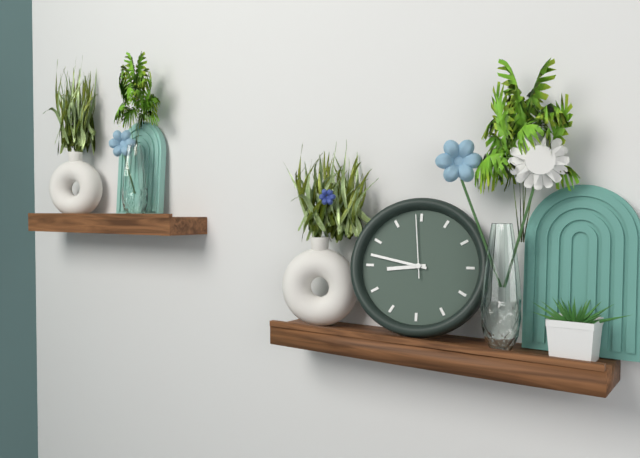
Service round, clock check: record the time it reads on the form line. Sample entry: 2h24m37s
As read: 8h47m59s
